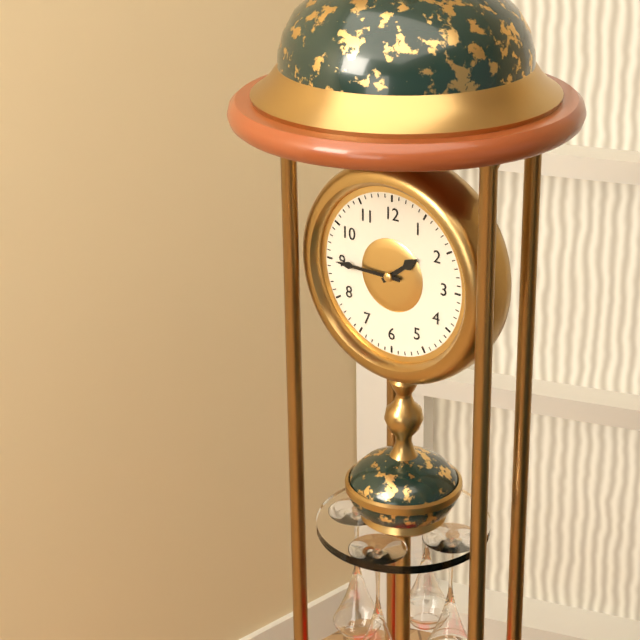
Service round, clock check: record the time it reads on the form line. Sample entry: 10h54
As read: 1h45
